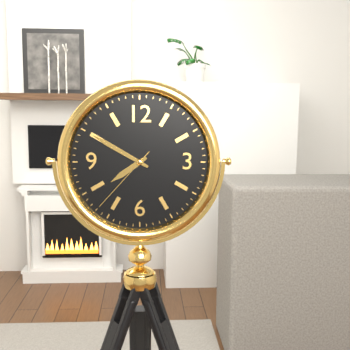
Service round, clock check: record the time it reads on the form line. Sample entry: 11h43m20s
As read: 7h50m37s
